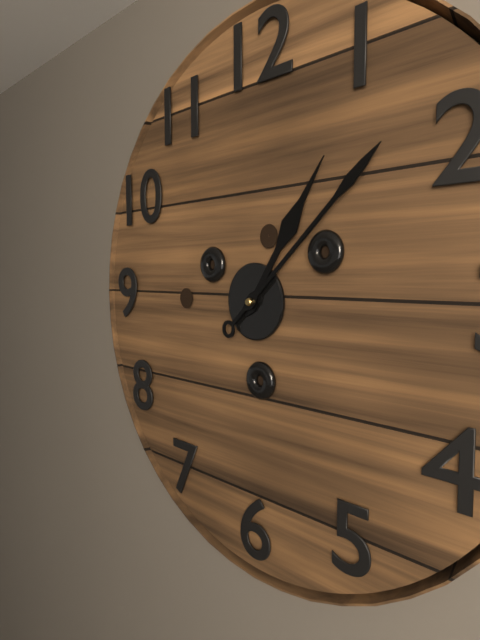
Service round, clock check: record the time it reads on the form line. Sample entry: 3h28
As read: 1h08
